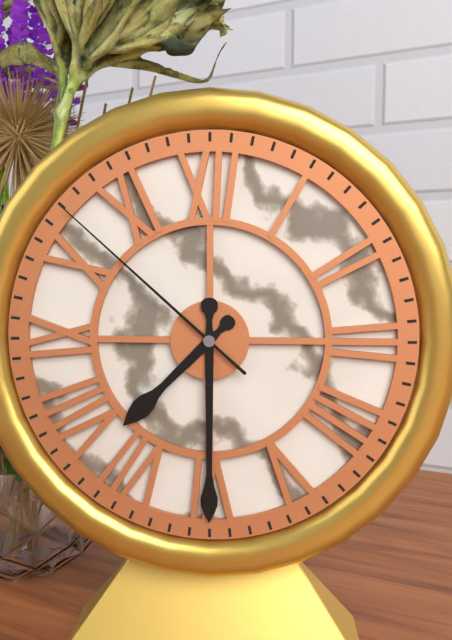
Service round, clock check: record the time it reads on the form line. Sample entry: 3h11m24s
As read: 7h30m52s
